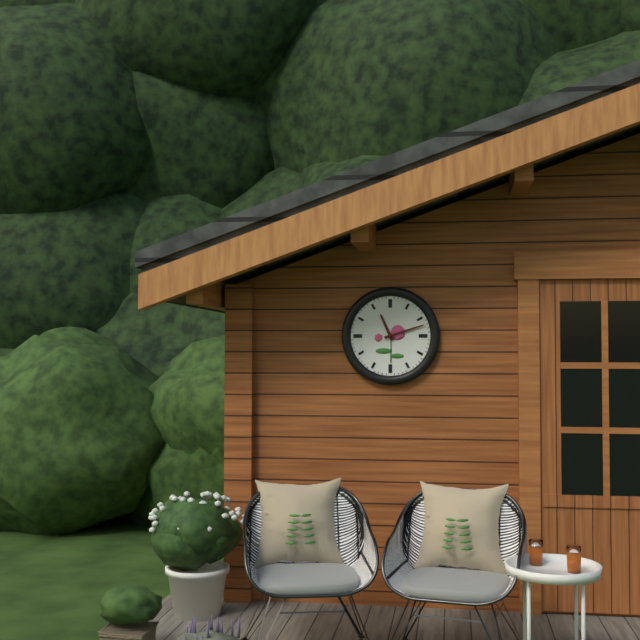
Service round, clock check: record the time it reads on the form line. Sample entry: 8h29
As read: 11h12
